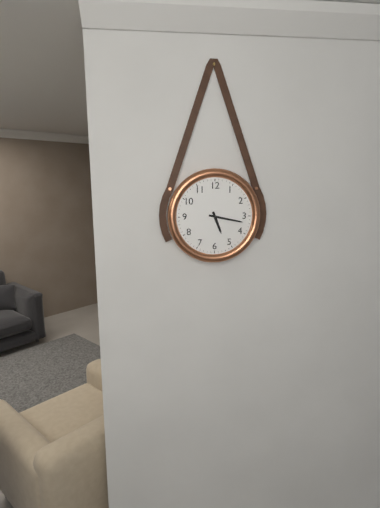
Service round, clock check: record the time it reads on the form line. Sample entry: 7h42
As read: 5h17
